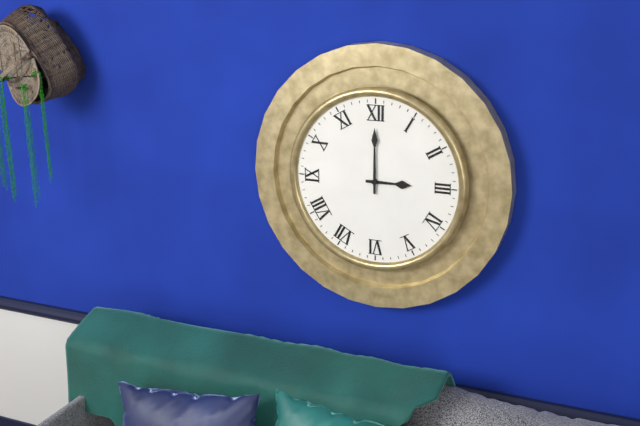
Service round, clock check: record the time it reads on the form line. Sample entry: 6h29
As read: 3h00
